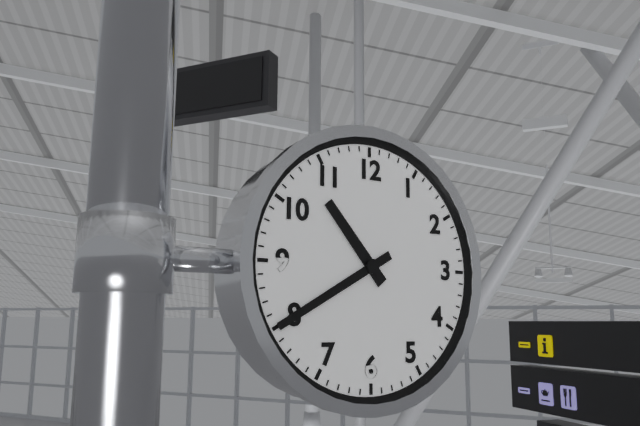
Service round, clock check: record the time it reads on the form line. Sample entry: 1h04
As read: 10h40
